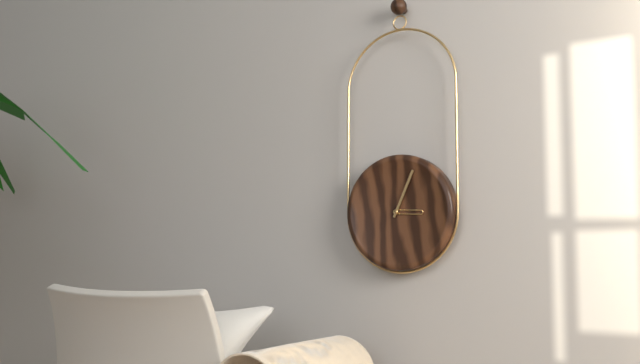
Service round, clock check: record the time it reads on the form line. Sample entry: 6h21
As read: 3h04
